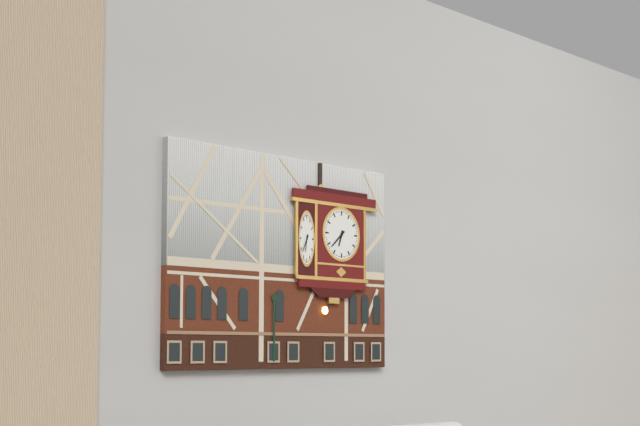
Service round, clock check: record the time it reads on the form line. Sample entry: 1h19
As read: 6h38
